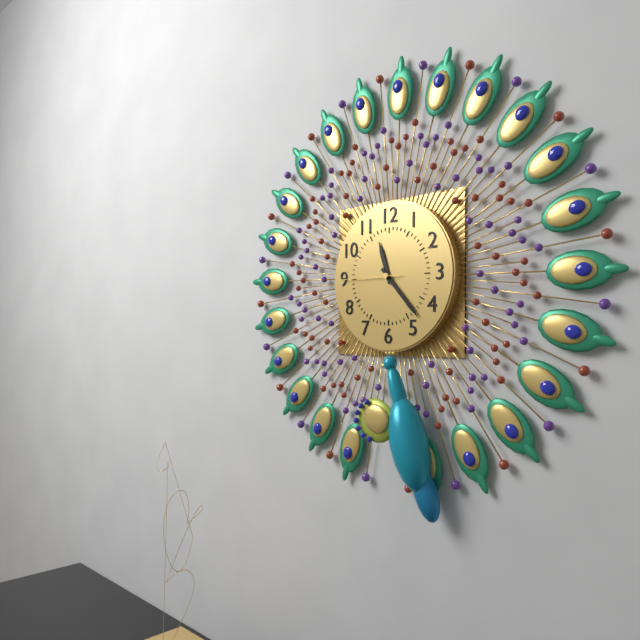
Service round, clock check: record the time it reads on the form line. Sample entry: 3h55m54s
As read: 11h23m45s
